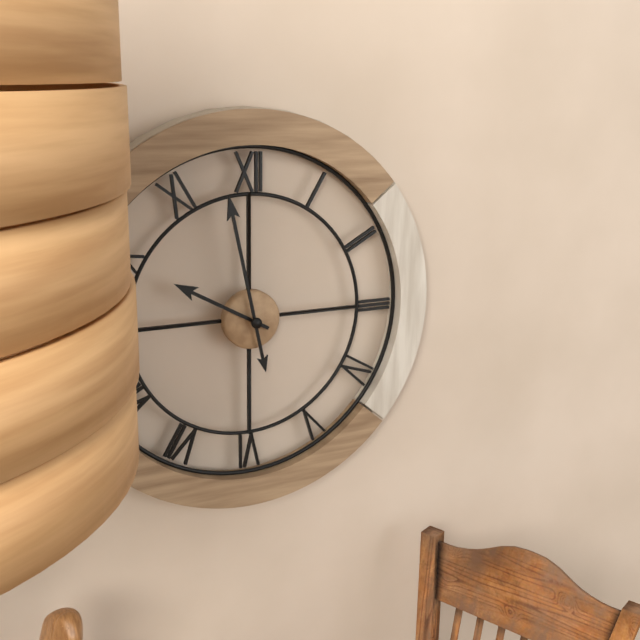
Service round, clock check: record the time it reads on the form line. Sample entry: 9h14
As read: 9h58
